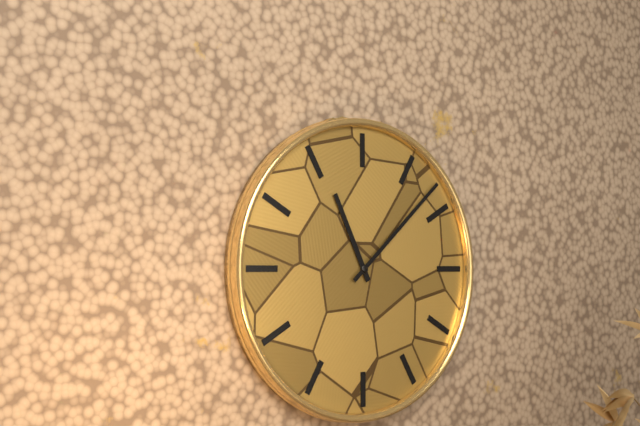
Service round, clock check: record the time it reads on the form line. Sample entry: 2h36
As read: 11h08
